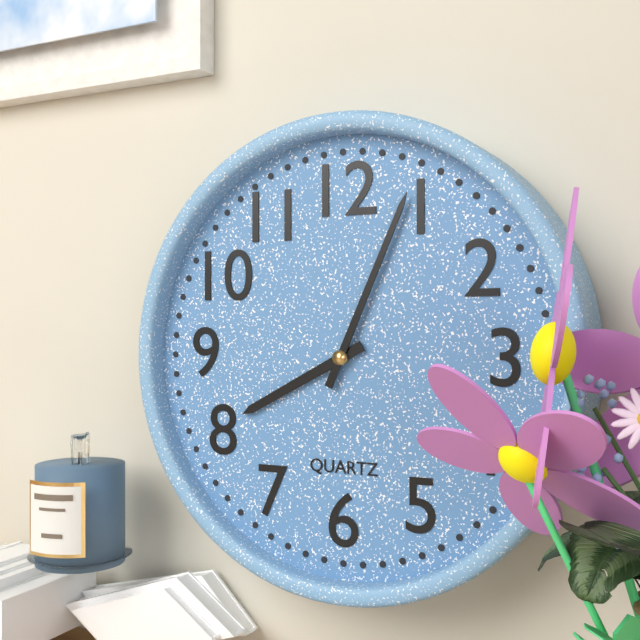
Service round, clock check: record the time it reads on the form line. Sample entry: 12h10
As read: 8h04
